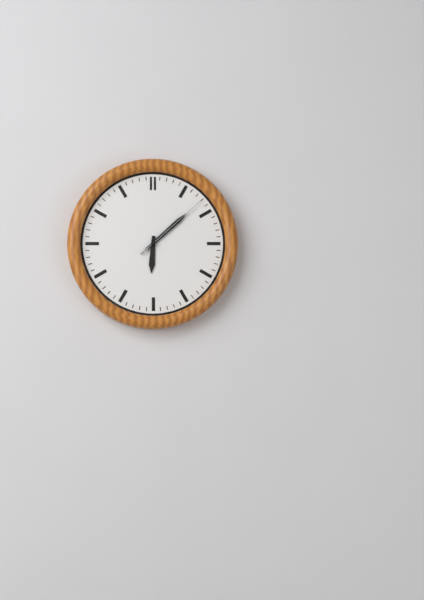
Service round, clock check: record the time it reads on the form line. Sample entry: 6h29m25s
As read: 6h08m08s
